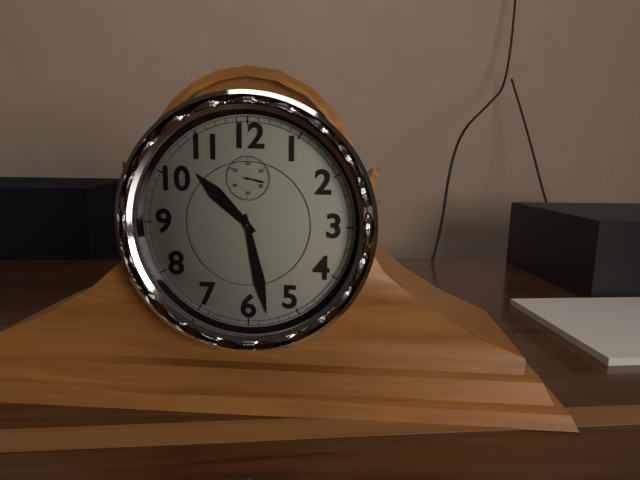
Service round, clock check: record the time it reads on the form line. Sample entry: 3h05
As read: 10h28
